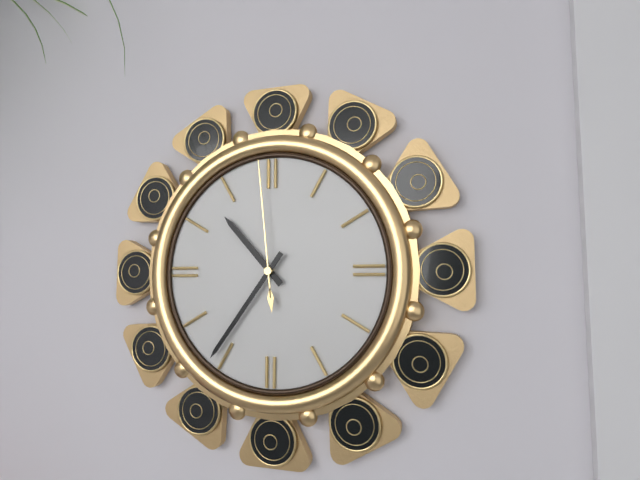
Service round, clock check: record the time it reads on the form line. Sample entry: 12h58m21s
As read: 10h36m59s
